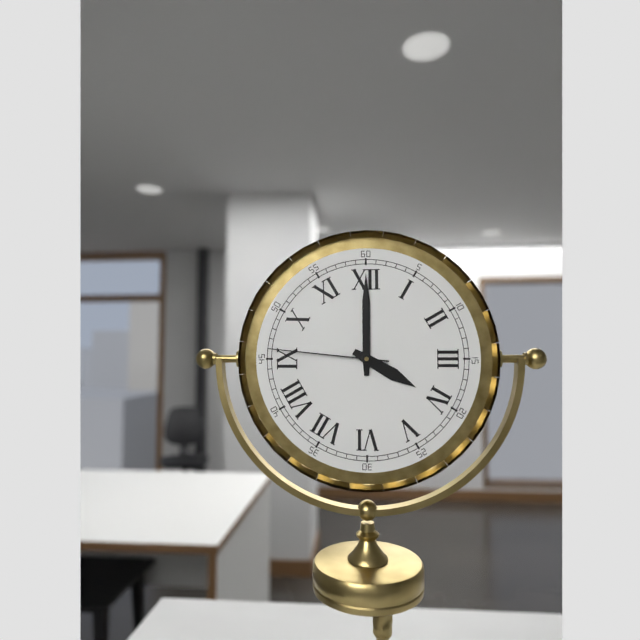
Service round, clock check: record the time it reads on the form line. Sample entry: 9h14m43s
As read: 4h00m46s
